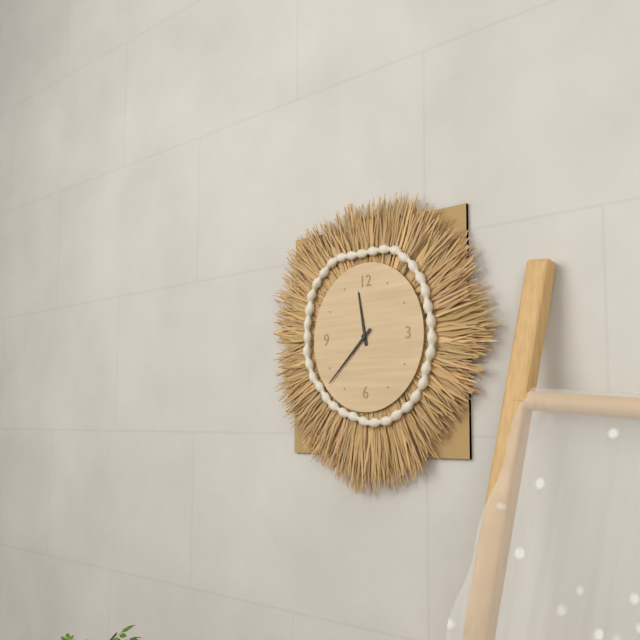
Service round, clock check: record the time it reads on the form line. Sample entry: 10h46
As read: 11h38
